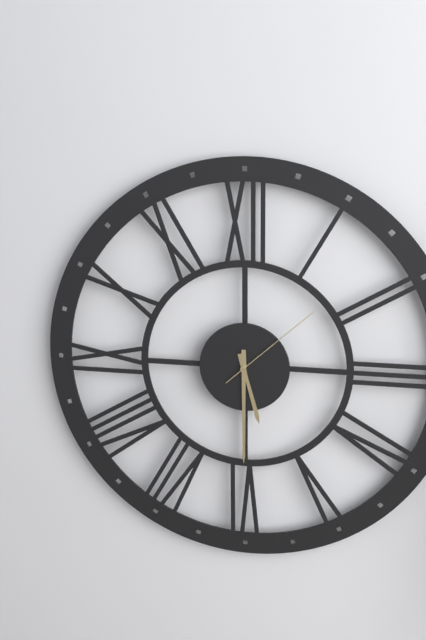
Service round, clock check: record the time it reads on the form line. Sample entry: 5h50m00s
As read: 5h30m08s
